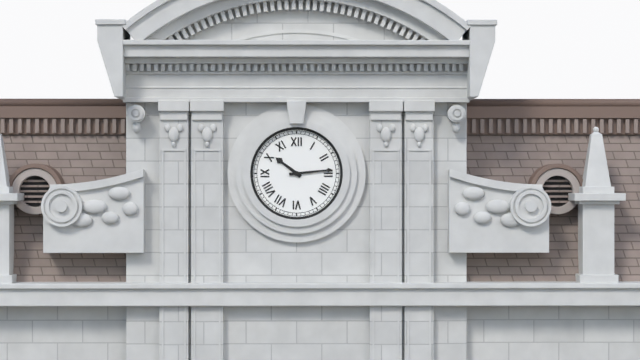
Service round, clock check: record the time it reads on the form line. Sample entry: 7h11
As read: 10h14
